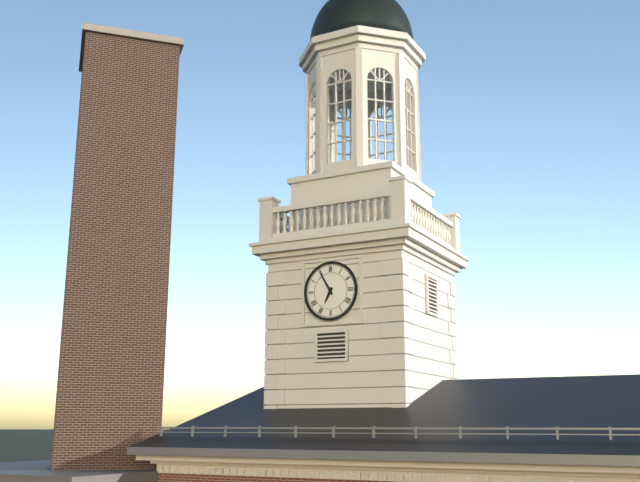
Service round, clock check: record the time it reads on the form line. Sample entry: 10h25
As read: 6h55
